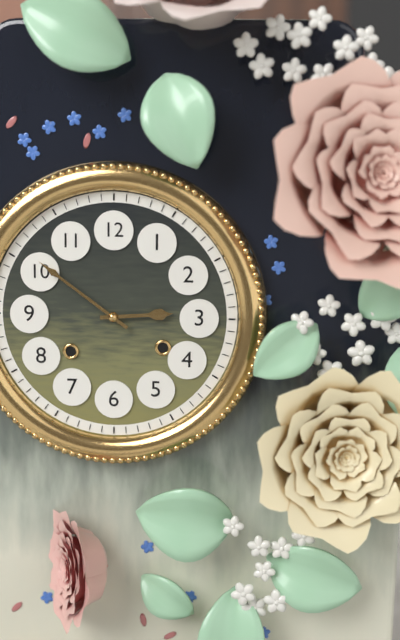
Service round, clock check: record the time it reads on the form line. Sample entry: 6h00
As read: 2h51
